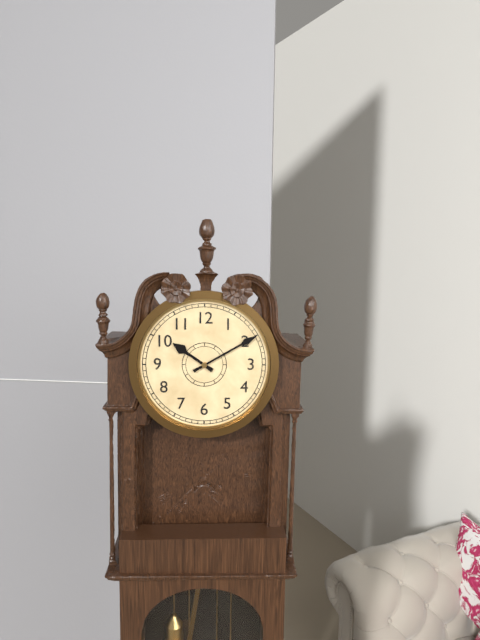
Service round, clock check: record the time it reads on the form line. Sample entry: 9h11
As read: 10h10
